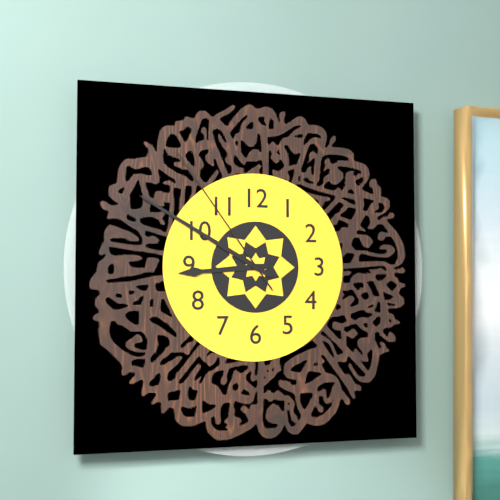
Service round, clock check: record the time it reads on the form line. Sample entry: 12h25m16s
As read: 8h50m54s
